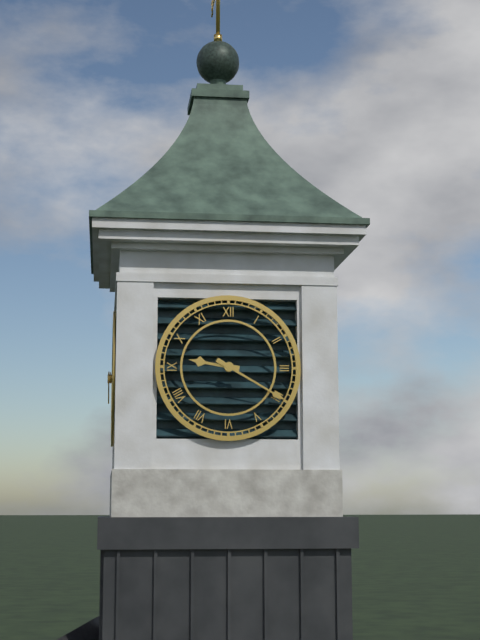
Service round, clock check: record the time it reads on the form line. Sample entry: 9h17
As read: 9h20
